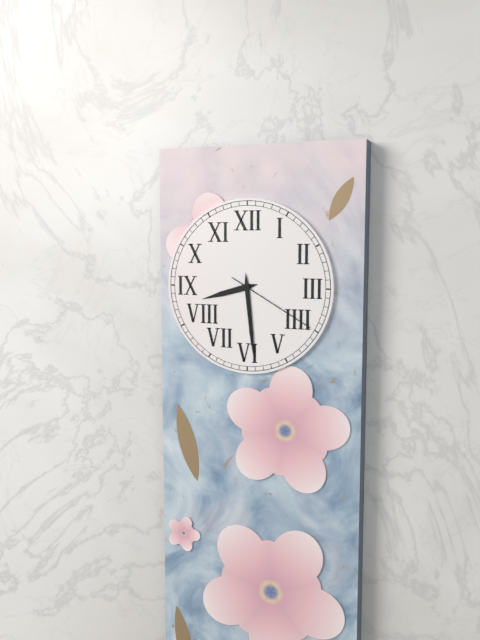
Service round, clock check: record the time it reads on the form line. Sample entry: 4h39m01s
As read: 8h29m20s
